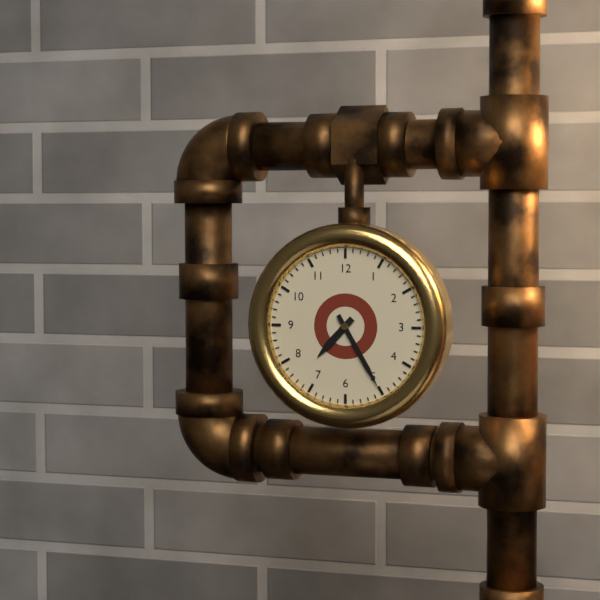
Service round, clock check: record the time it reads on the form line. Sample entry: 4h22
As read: 7h25
